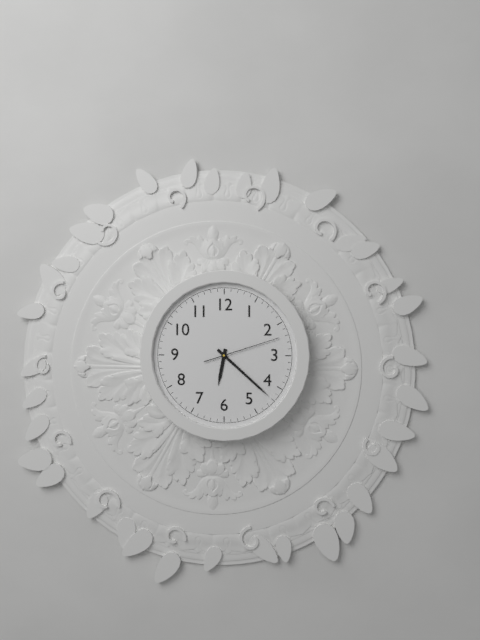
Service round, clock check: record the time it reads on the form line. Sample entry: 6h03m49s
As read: 6h22m12s
